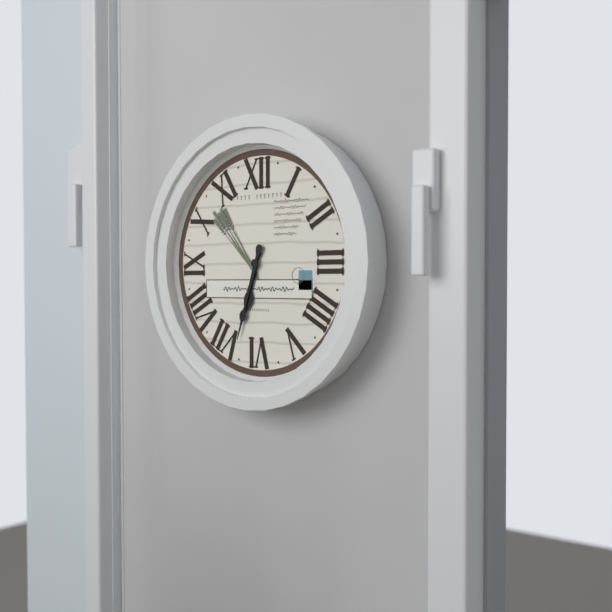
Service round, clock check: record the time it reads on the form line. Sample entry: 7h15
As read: 6h33
